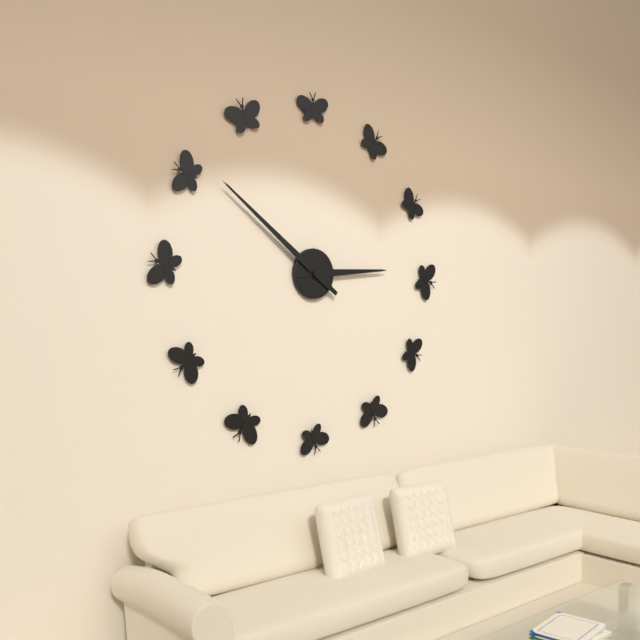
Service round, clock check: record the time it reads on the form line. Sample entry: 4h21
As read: 2h51
